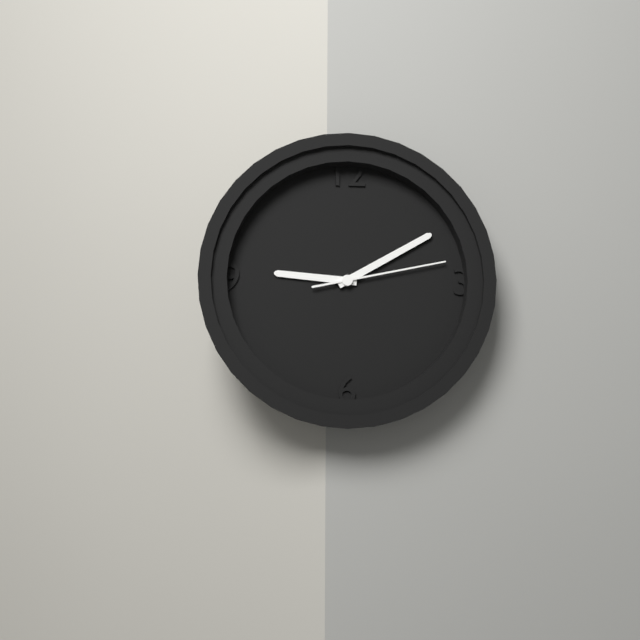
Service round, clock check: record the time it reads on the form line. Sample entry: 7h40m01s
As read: 9h10m13s
